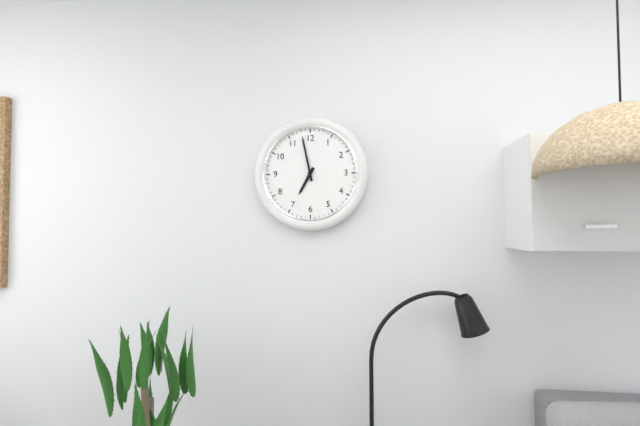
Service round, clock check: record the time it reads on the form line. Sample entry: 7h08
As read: 6h58
